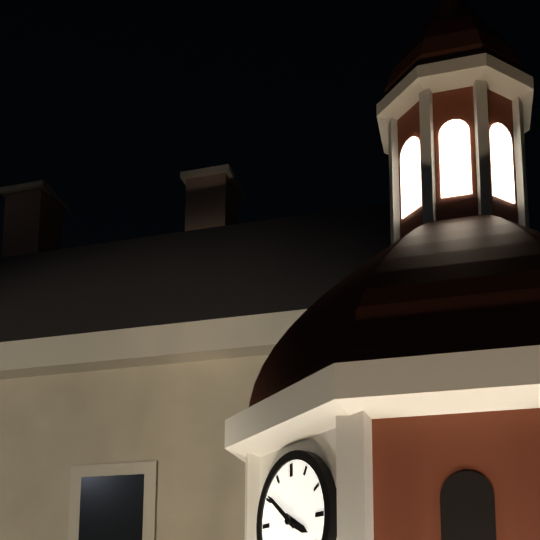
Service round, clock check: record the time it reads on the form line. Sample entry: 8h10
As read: 3h51
